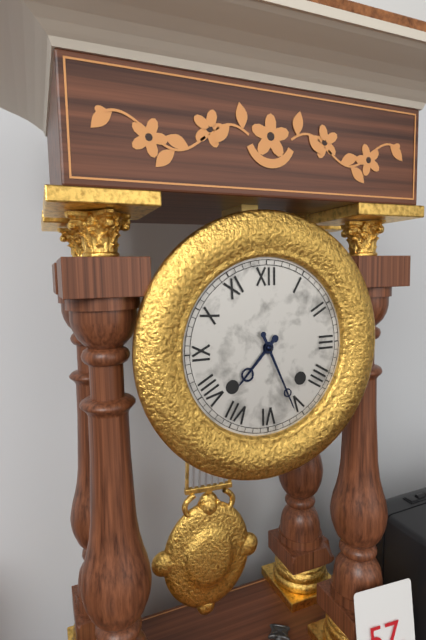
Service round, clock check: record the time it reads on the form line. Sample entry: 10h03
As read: 7h26
